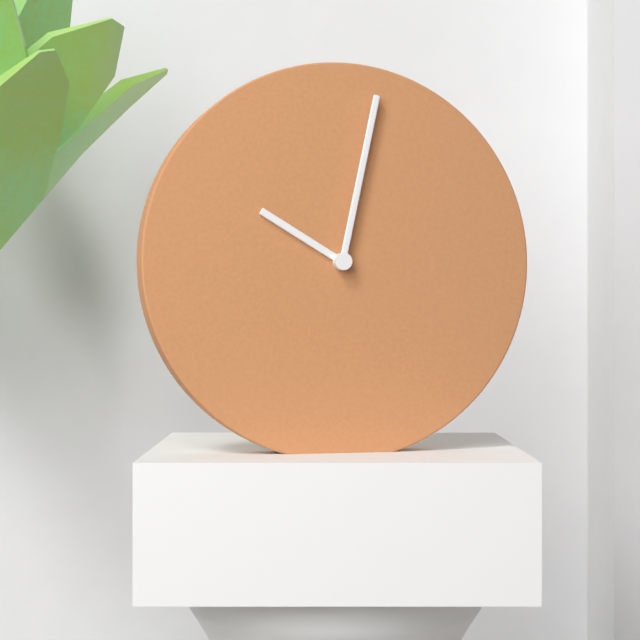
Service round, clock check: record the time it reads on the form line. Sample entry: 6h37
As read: 10h02
